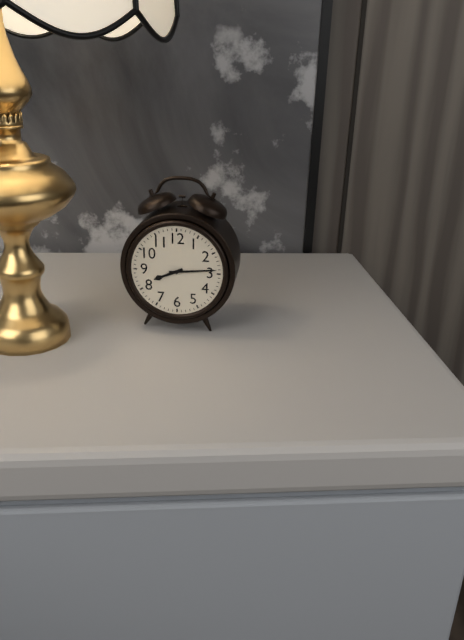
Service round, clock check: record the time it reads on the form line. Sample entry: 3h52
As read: 8h14
